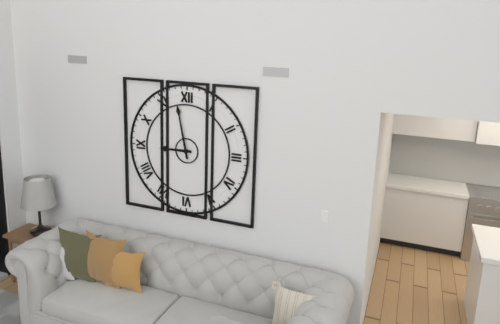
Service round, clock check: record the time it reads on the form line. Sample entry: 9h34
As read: 8h58
